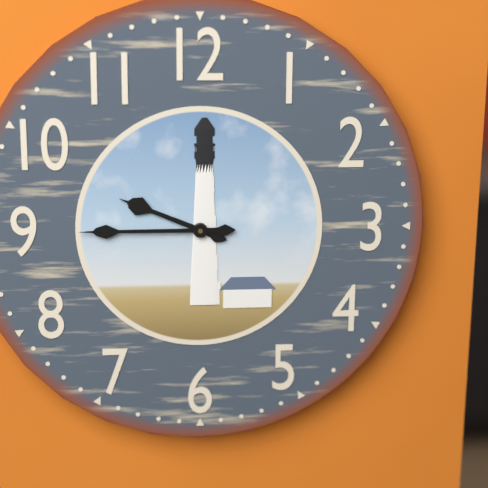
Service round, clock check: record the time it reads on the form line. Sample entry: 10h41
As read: 9h45
